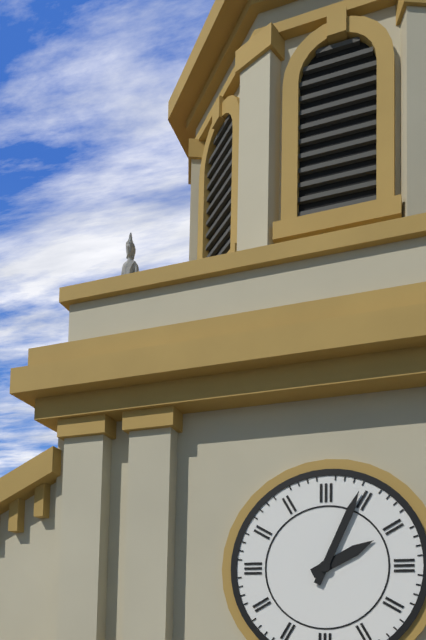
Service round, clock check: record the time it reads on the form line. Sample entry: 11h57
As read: 2h04
